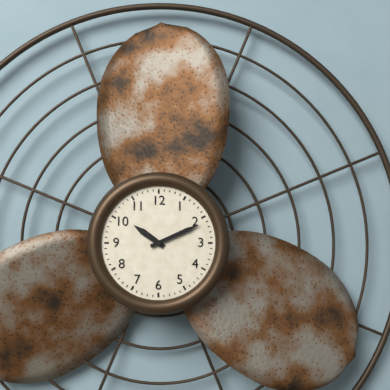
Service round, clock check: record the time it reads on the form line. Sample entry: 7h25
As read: 10h11
